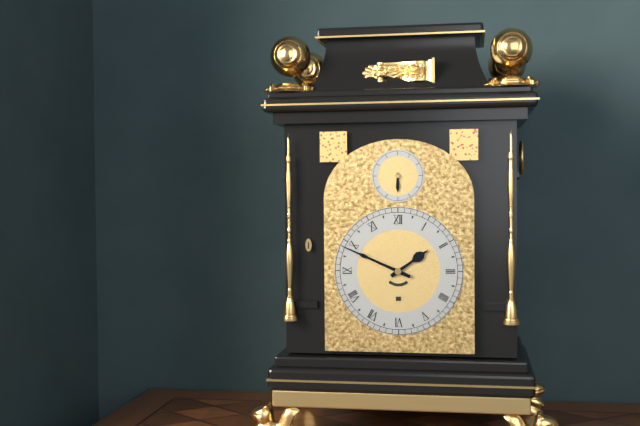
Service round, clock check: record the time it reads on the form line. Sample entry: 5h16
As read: 1h49
